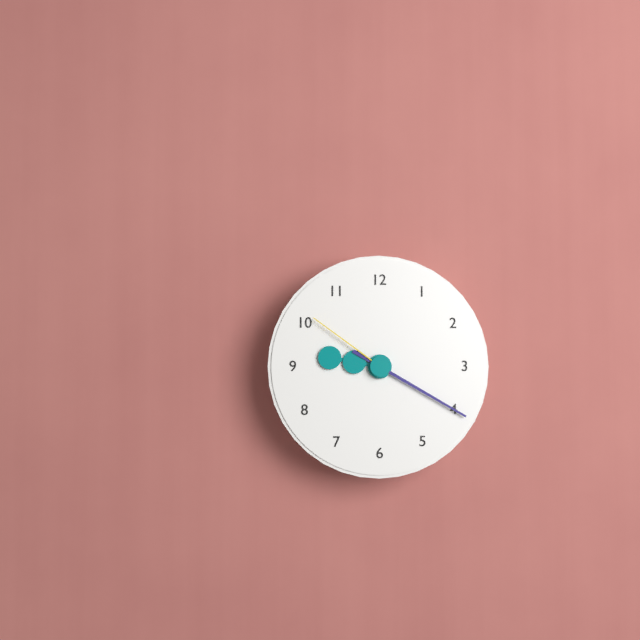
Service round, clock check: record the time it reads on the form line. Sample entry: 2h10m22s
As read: 9h20m51s
